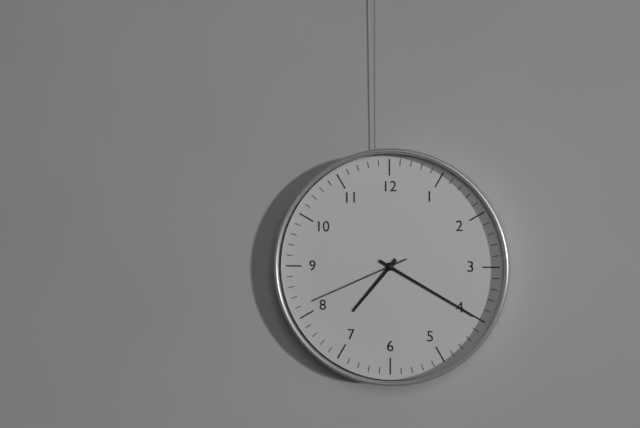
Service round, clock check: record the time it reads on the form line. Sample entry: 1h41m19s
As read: 7h20m41s
